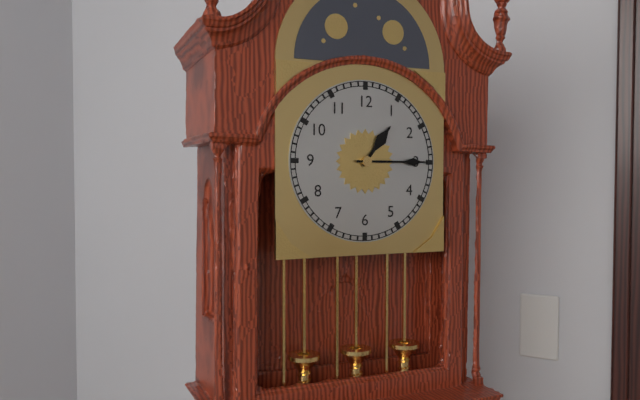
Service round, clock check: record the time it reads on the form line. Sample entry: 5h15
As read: 1h15
